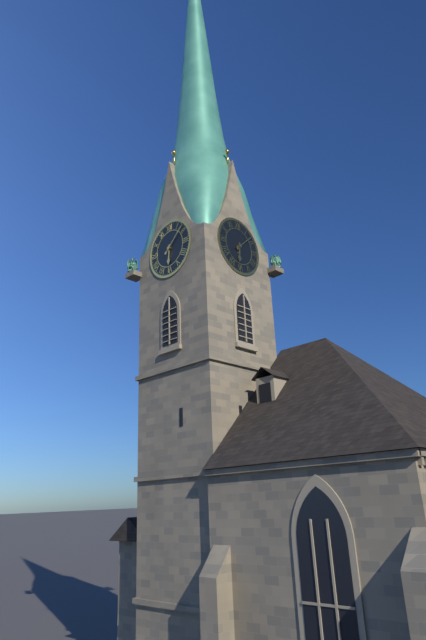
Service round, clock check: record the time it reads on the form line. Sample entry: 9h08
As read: 6h08
